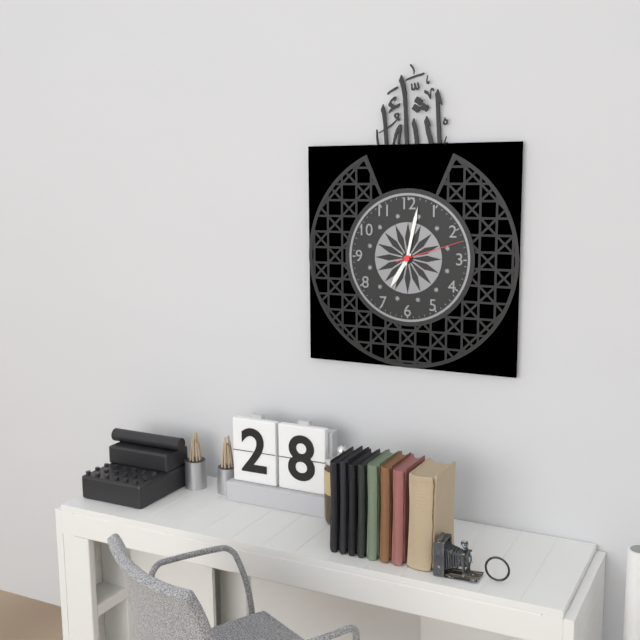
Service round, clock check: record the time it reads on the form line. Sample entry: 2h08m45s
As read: 7h02m12s
